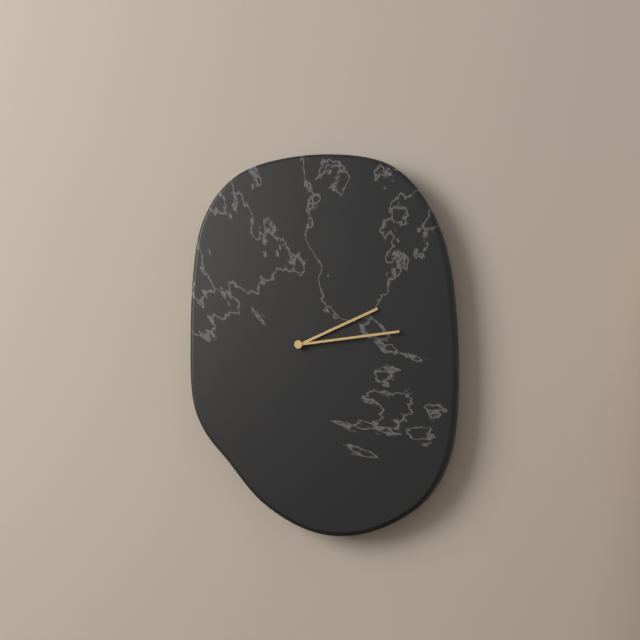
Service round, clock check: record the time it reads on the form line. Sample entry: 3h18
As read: 2h14
